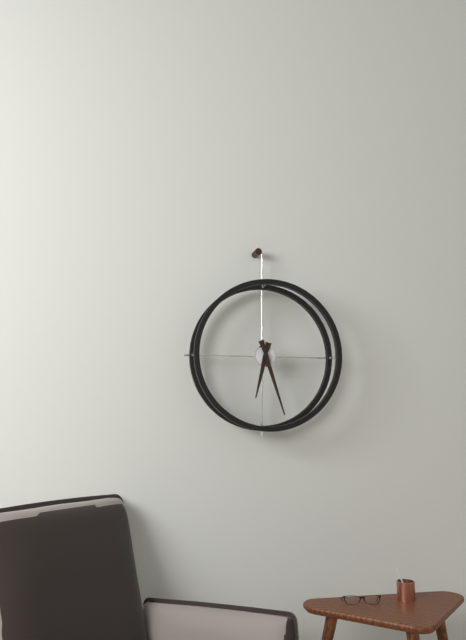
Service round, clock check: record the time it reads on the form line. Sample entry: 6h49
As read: 6h27
